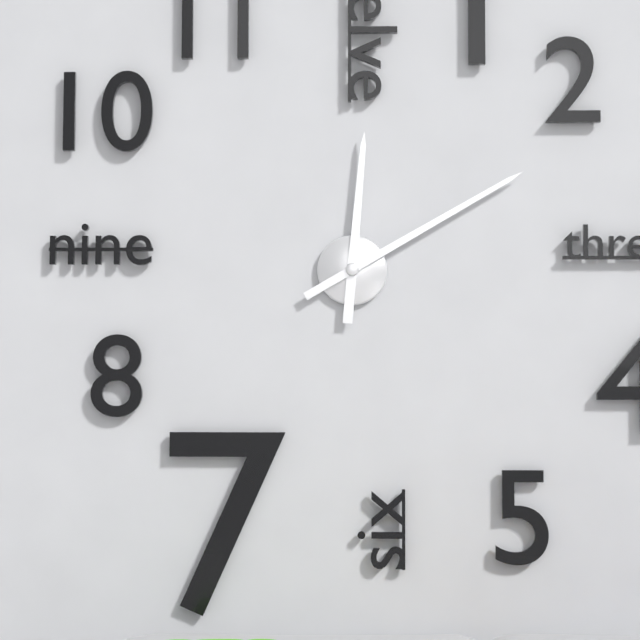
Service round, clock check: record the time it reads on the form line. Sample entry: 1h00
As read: 12h10
